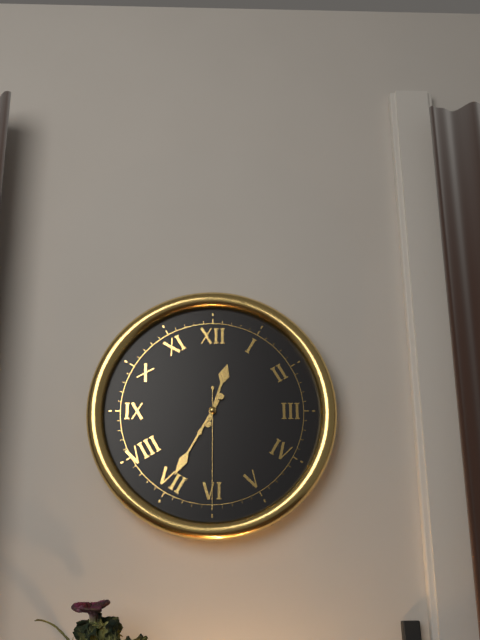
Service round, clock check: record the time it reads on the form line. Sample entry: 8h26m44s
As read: 12h35m30s
